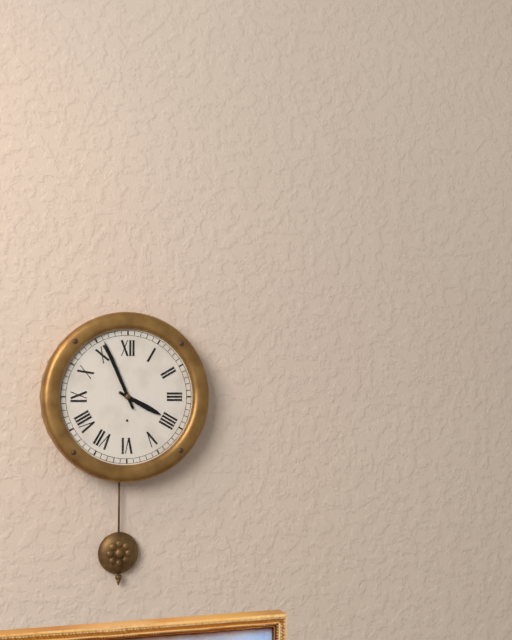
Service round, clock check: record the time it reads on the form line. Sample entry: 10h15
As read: 3h56
